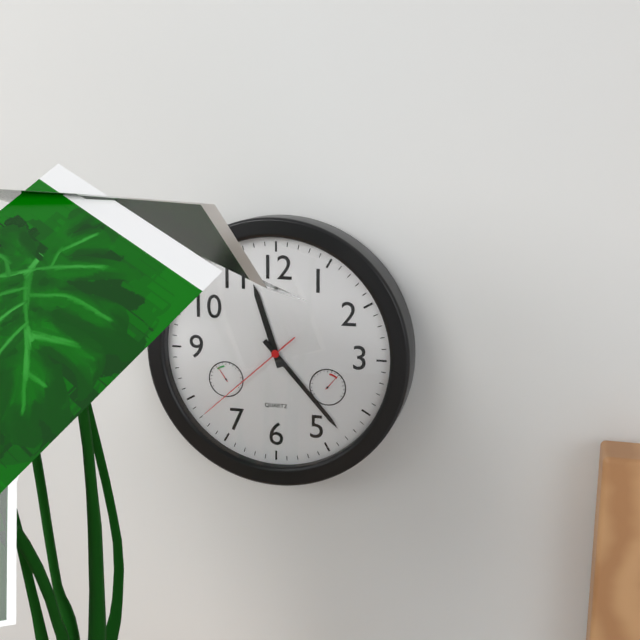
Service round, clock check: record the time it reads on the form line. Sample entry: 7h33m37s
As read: 11h23m38s
